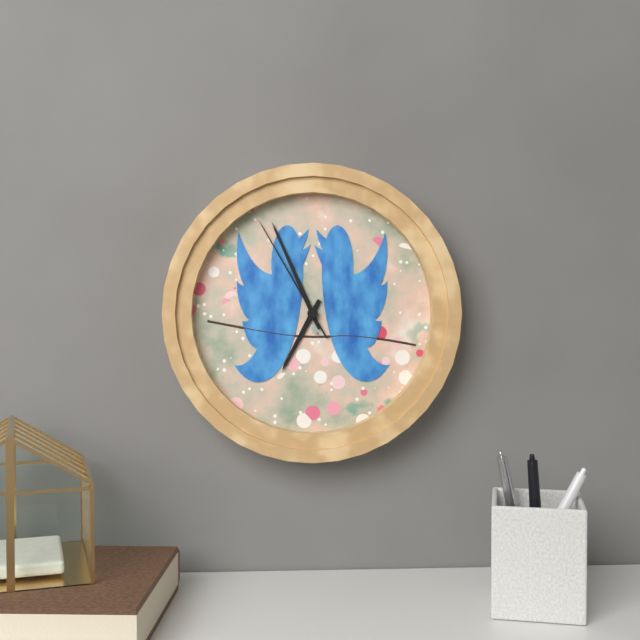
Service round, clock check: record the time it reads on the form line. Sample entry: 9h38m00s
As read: 6h56m55s
